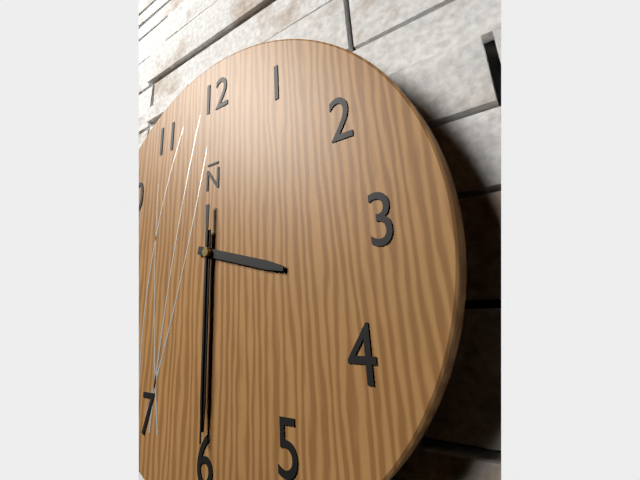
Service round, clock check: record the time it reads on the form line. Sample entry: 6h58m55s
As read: 3h30m30s
